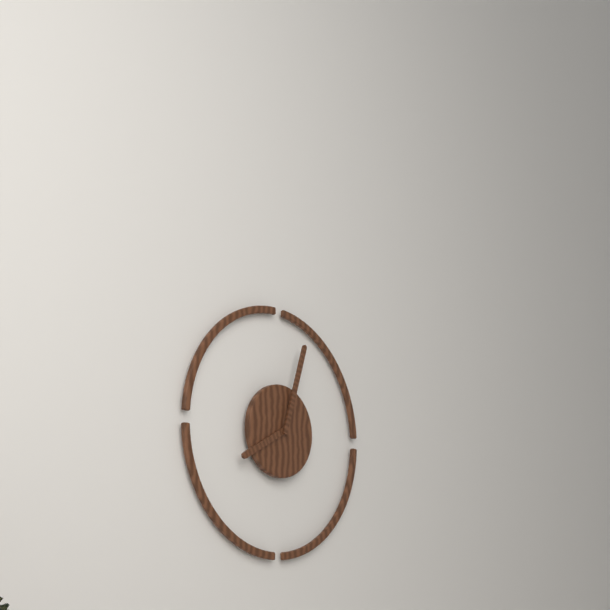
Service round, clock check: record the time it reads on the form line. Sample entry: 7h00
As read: 8h03
